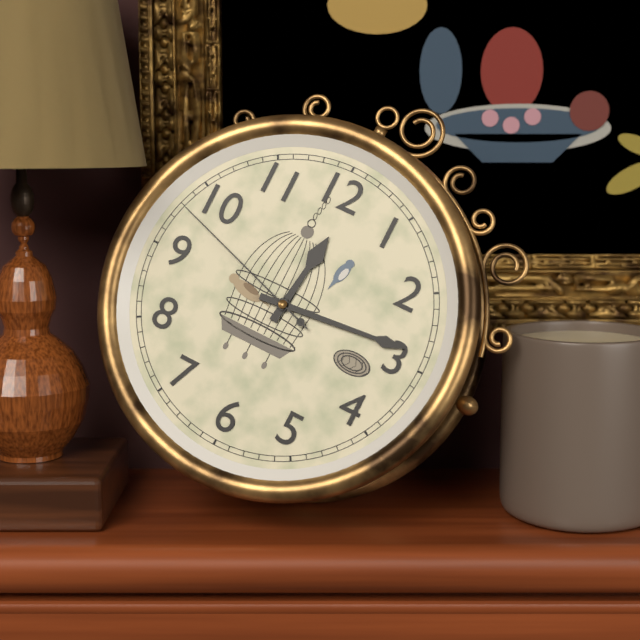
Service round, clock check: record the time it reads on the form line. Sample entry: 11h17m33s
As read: 12h14m48s
